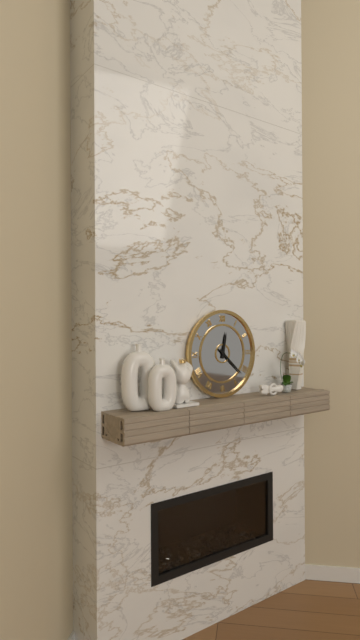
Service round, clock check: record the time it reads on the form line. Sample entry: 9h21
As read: 12h22
